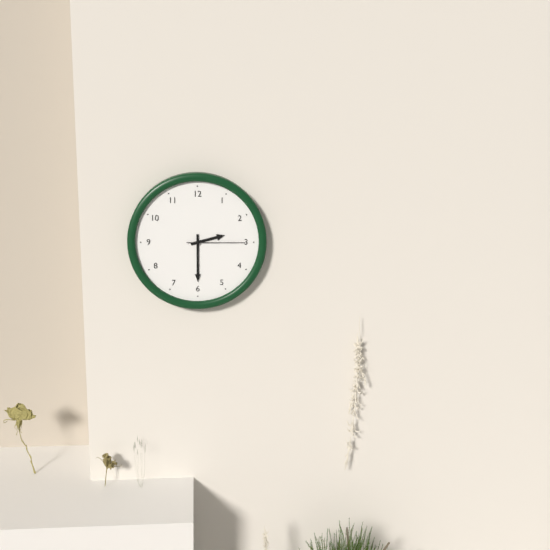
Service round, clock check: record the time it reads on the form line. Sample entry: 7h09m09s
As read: 2h30m15s
